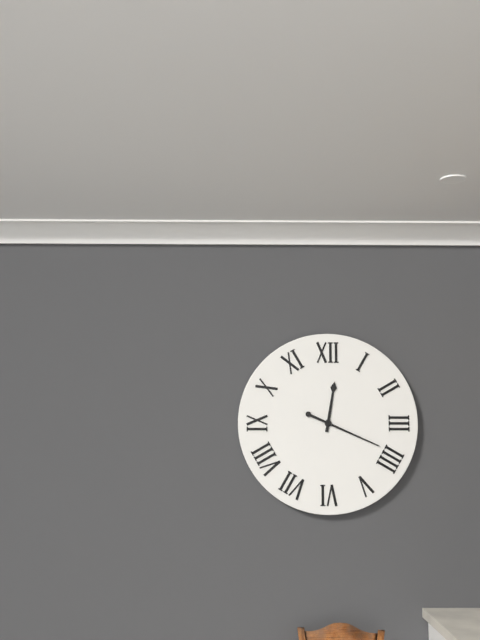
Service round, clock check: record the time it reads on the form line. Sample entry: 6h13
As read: 12h19
